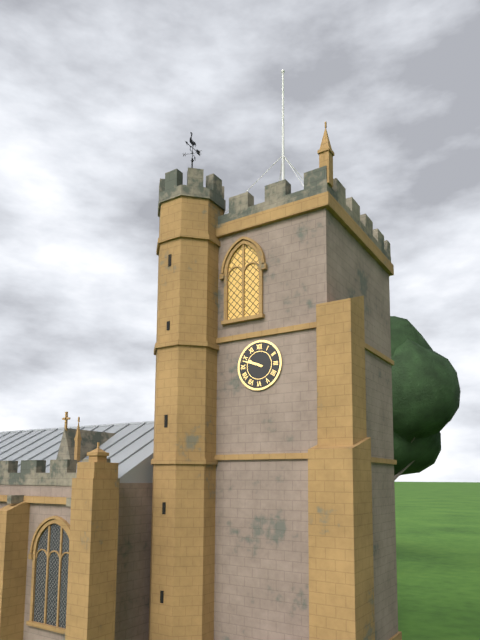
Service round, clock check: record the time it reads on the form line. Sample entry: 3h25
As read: 9h48
